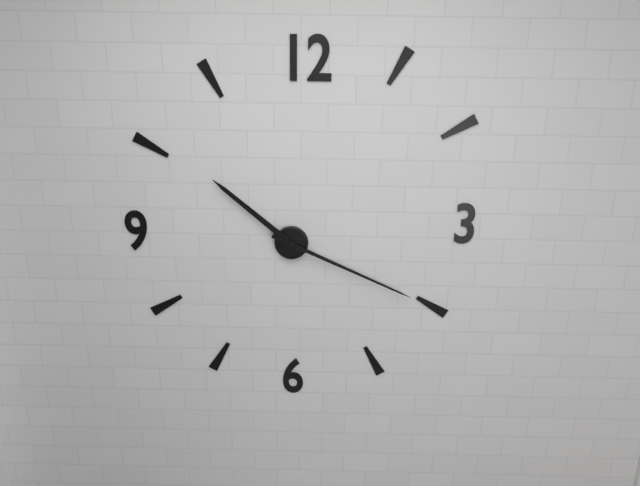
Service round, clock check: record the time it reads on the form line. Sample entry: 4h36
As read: 10h19
